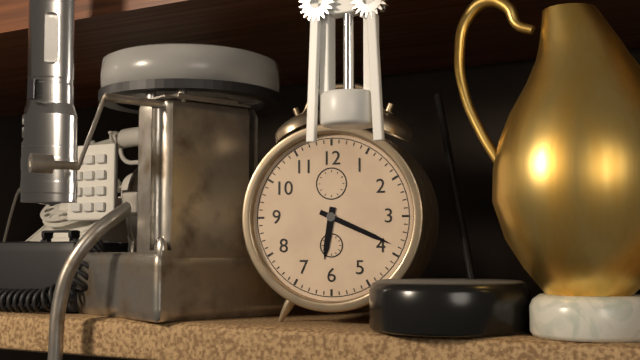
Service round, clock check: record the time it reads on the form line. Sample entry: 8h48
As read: 6h19
